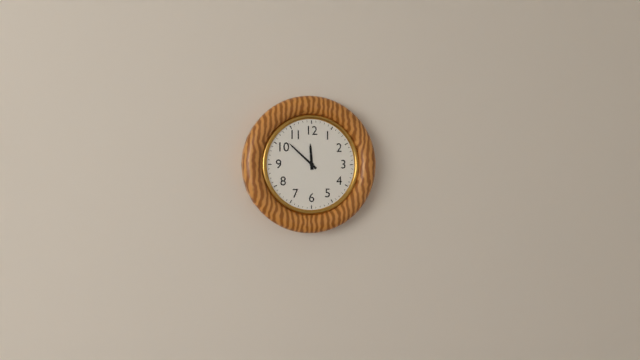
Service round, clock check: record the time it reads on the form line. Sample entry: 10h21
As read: 11h52
